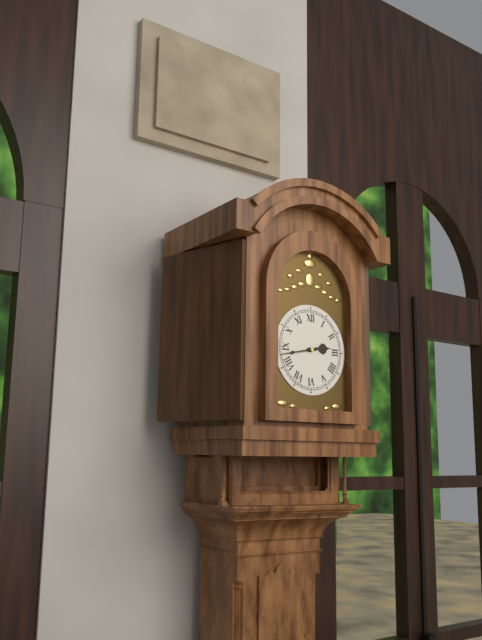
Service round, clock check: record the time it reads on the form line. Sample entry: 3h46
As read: 2h43
